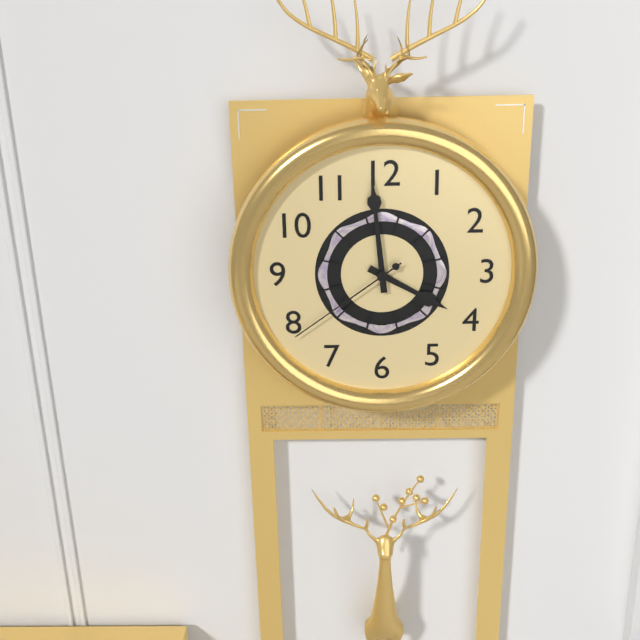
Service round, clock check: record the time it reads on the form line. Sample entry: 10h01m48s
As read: 3h59m39s
